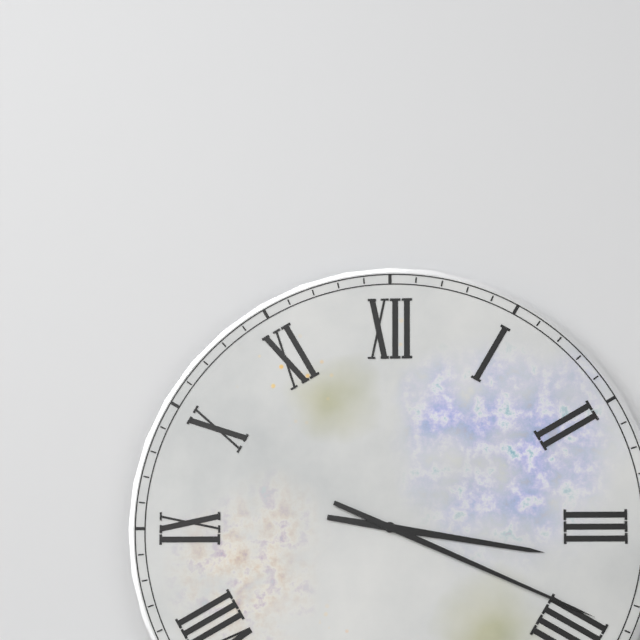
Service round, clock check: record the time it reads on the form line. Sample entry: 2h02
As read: 3h19
